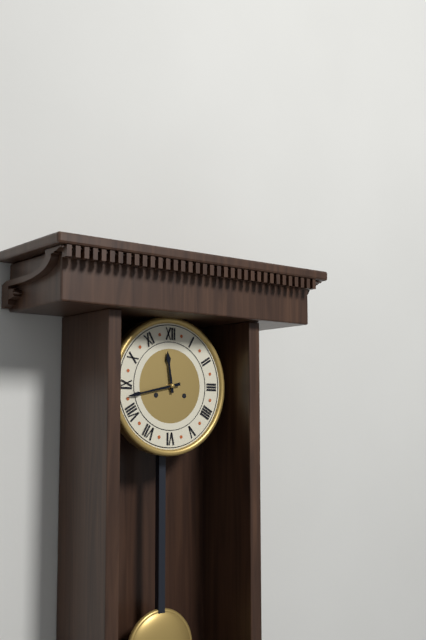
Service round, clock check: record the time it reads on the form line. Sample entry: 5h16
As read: 11h43
